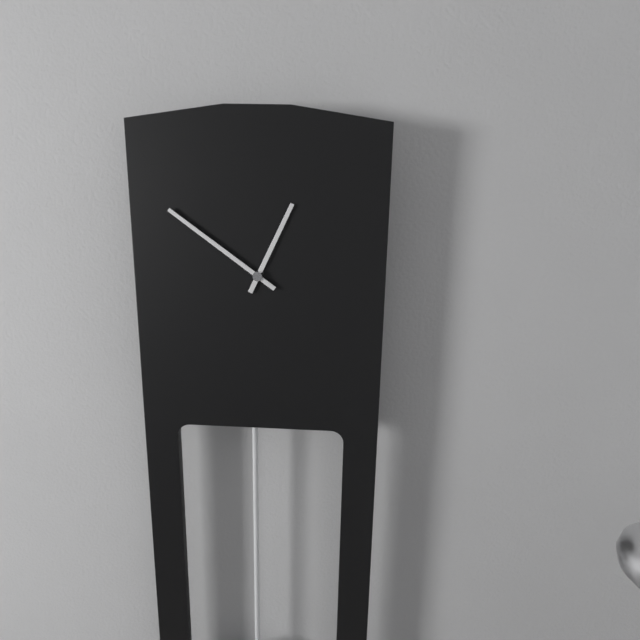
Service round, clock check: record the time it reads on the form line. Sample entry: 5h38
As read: 12h51
